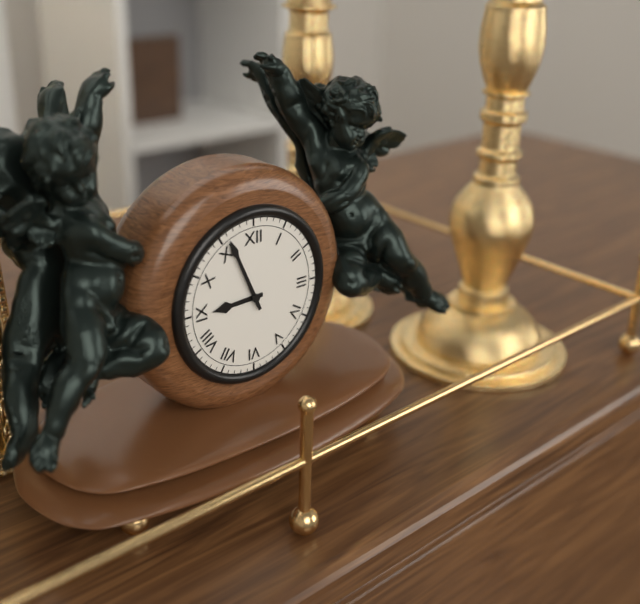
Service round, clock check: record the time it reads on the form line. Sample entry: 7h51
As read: 8h56
